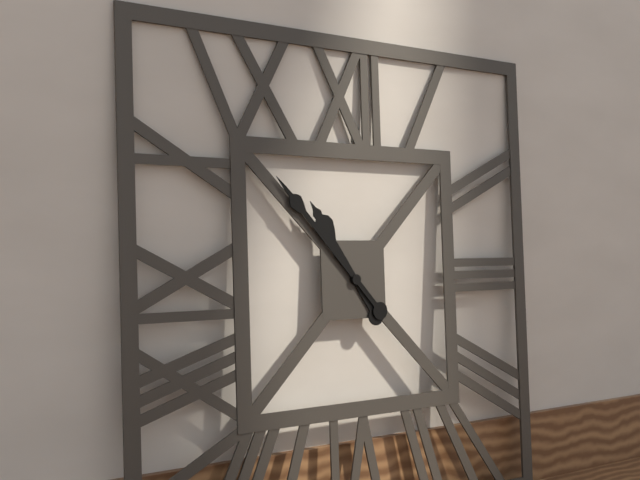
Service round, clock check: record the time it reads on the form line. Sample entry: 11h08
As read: 10h53
